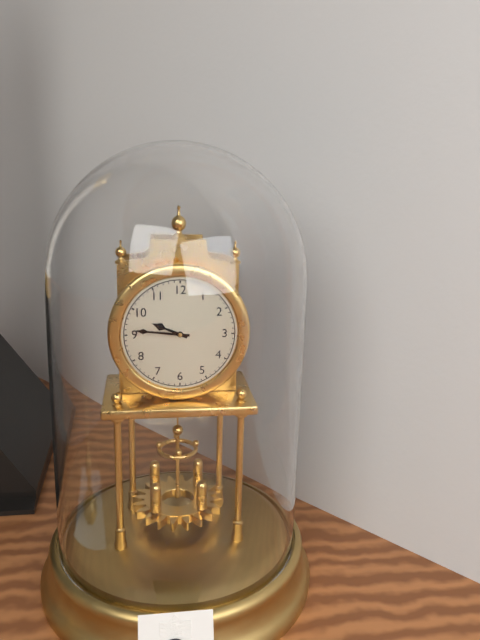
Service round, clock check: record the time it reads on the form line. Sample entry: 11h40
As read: 9h46
